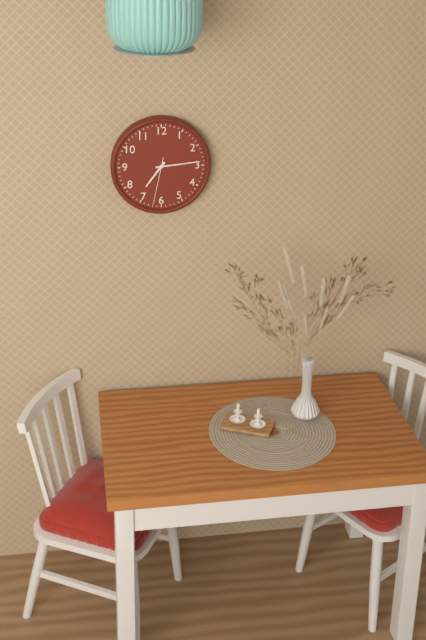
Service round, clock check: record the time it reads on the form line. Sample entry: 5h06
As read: 7h14
